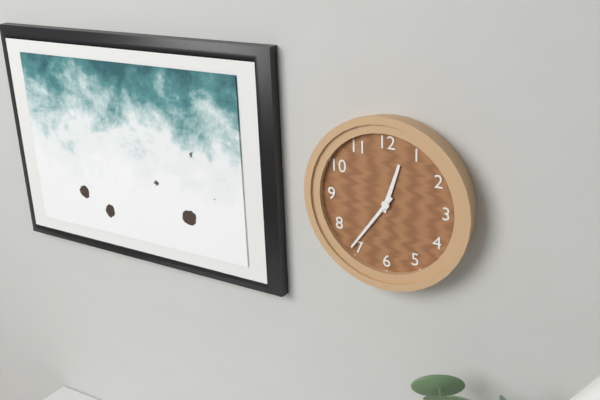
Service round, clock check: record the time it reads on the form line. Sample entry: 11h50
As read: 12h36
